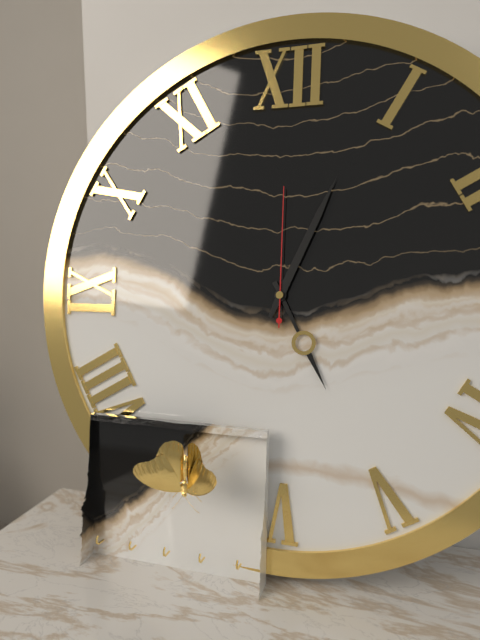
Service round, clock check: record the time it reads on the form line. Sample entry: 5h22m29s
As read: 5h04m00s
